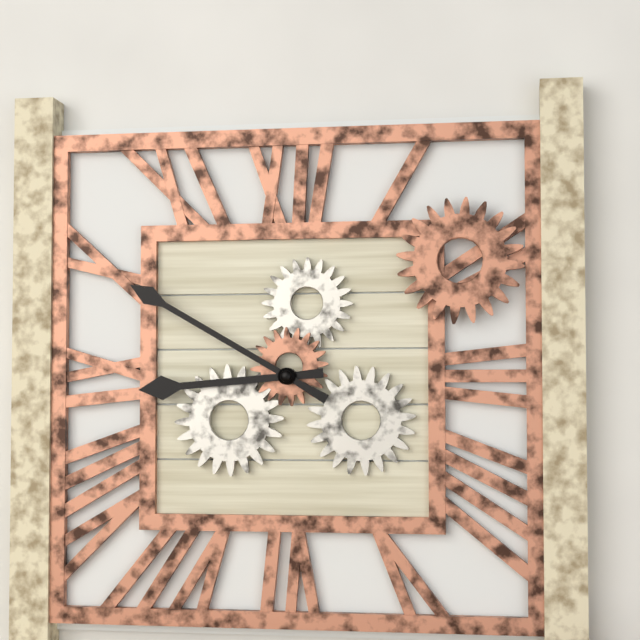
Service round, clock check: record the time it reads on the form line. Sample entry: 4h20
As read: 8h50
